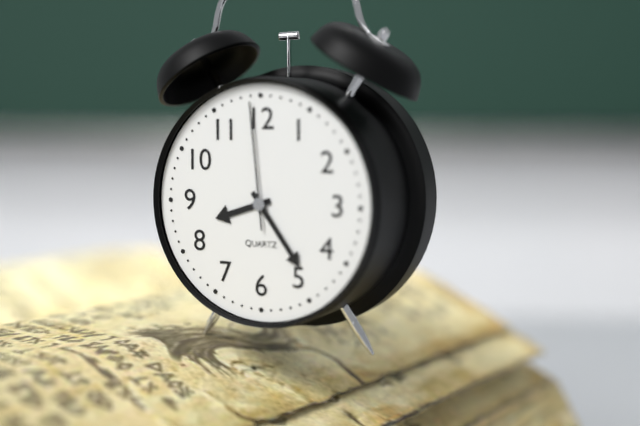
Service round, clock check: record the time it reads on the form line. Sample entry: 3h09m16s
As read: 8h24m59s
